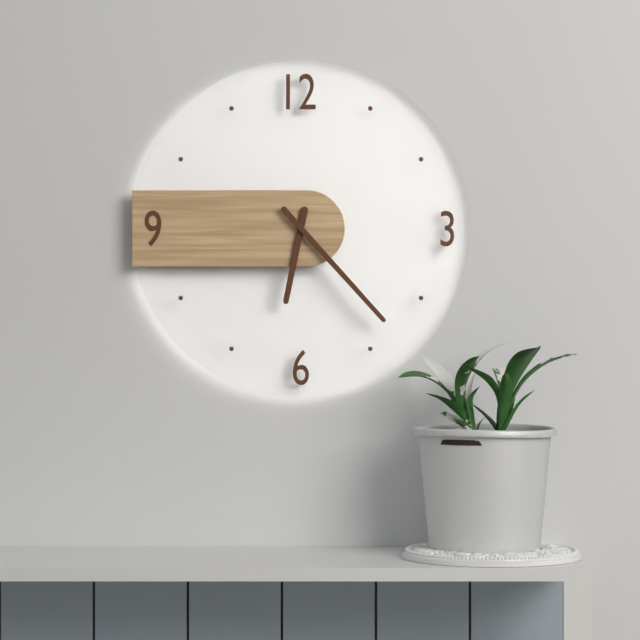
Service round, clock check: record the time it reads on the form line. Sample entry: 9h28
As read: 6h23
